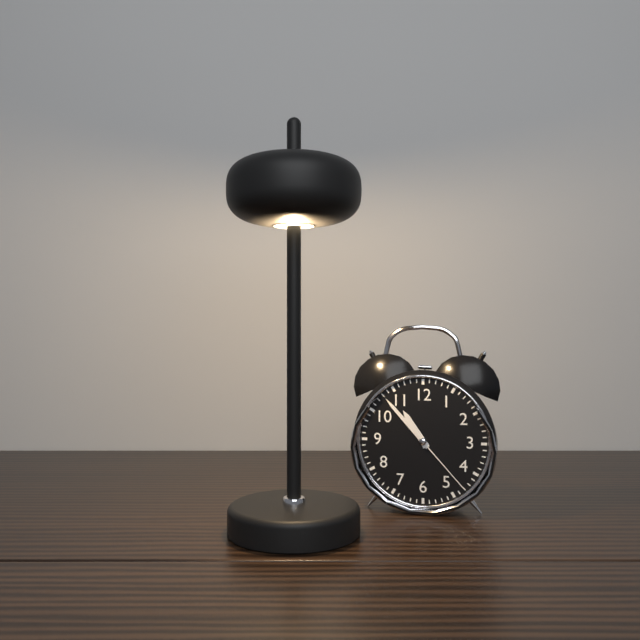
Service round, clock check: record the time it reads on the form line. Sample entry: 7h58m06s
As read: 10h53m23s
